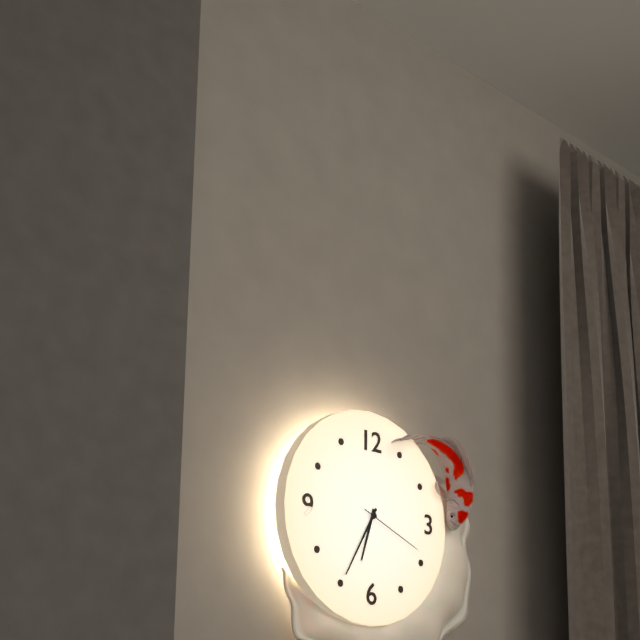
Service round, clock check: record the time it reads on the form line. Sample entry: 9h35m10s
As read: 6h35m19s
